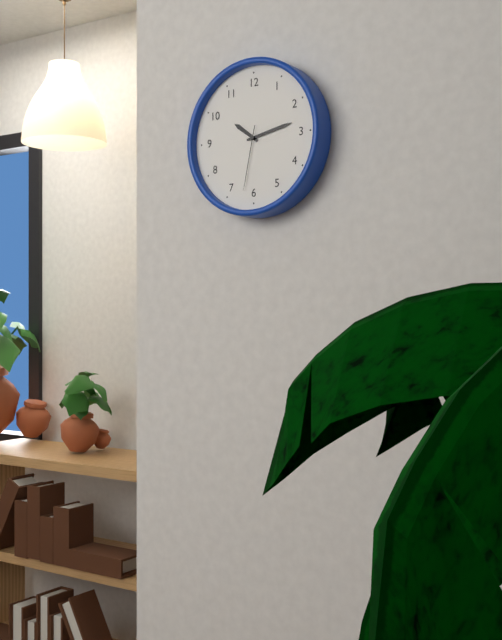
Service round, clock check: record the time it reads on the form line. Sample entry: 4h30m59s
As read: 10h13m32s
